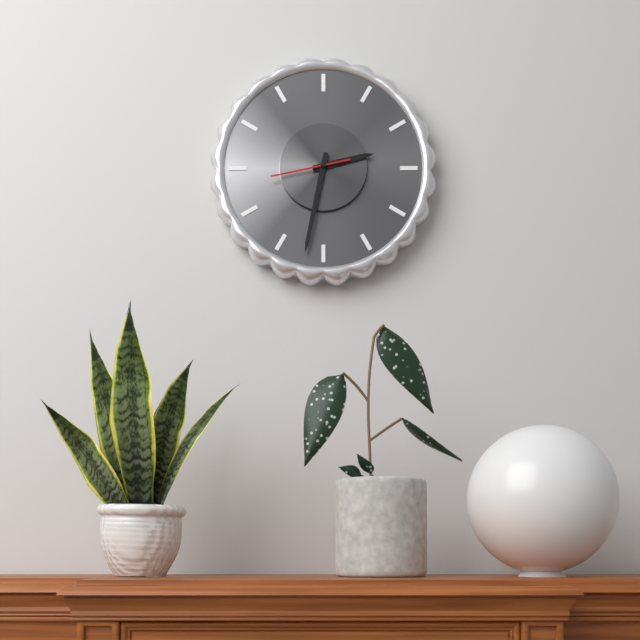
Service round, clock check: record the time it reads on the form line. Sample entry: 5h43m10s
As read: 2h32m43s
